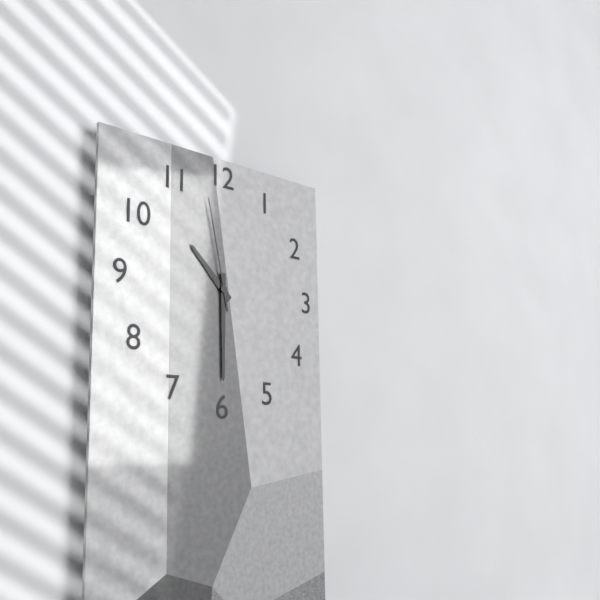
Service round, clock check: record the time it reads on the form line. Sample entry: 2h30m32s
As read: 10h30m58s
